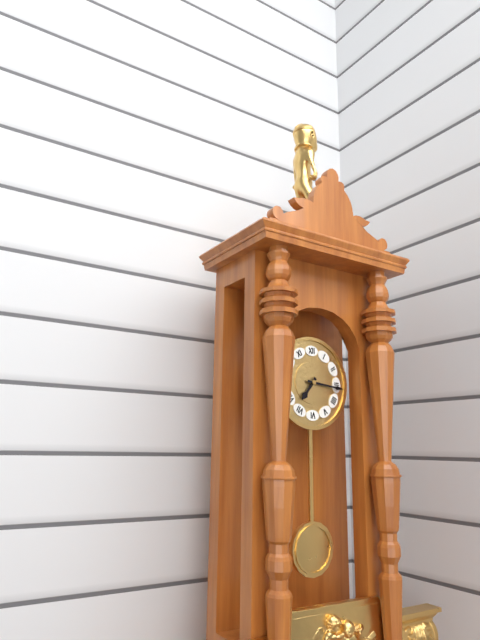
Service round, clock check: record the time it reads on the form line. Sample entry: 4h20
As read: 7h16
